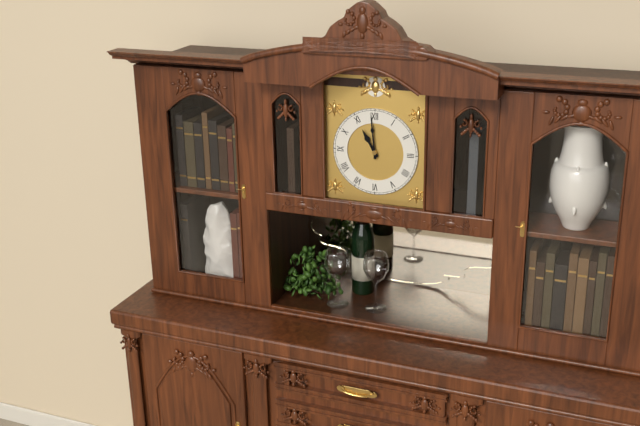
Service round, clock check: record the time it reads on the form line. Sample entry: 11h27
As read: 10h59
